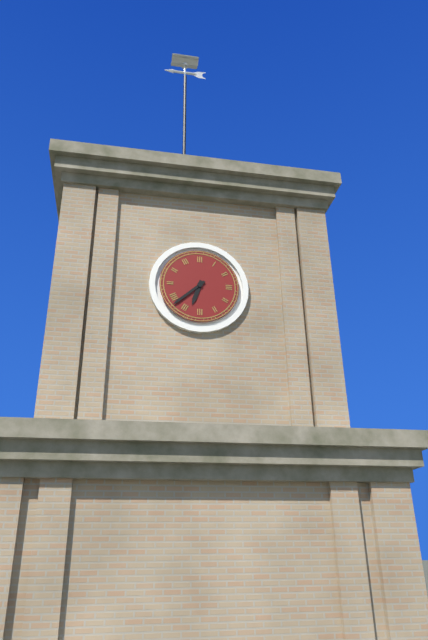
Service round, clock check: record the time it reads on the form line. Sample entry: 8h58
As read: 6h38
